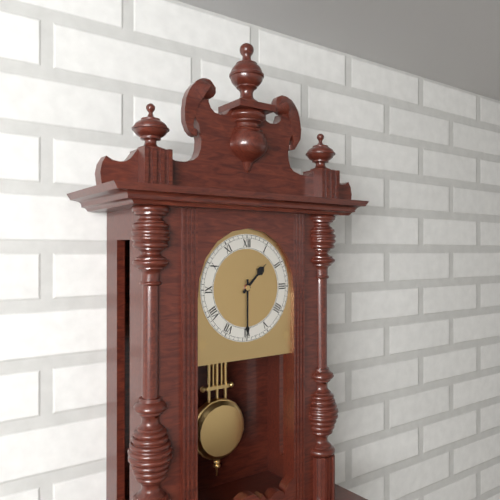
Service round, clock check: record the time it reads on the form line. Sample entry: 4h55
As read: 1h30
